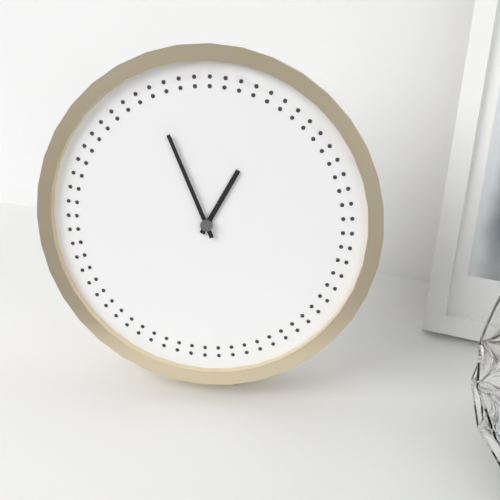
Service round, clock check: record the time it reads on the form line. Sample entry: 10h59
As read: 12h56
